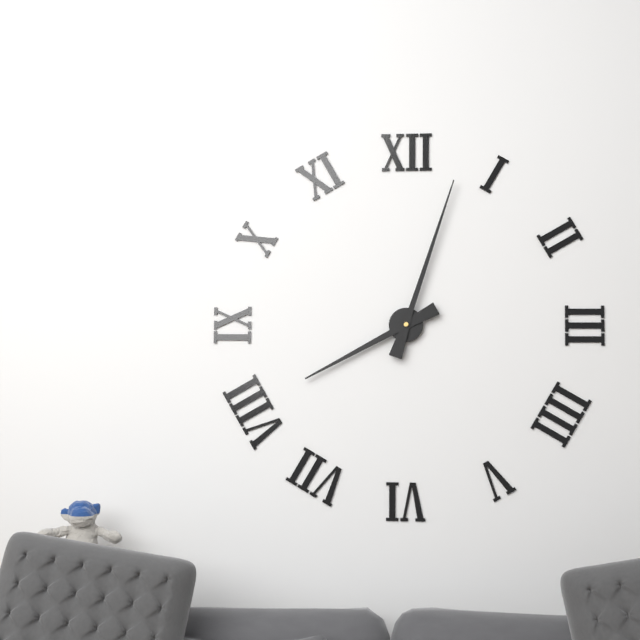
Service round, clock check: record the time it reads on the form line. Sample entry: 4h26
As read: 8h03
